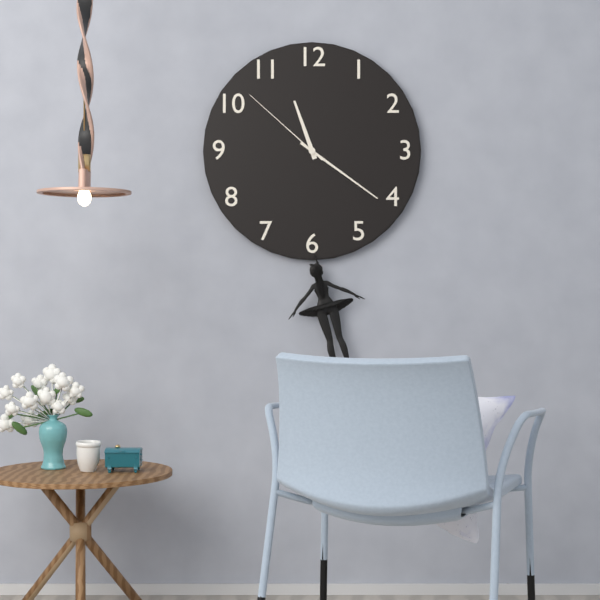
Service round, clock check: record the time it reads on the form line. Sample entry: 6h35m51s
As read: 11h21m52s
